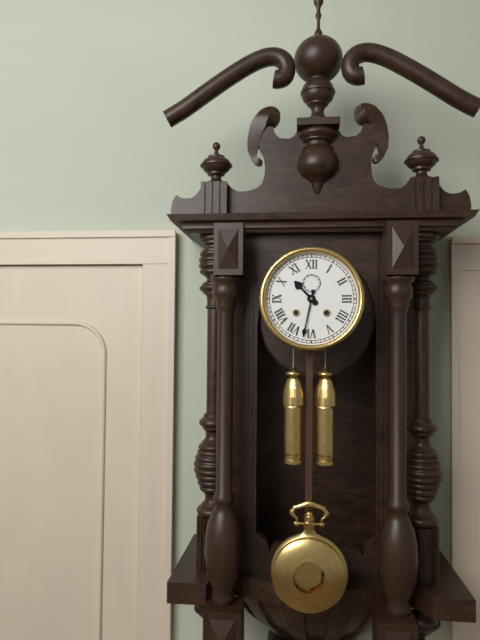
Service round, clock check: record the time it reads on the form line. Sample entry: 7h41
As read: 10h32
